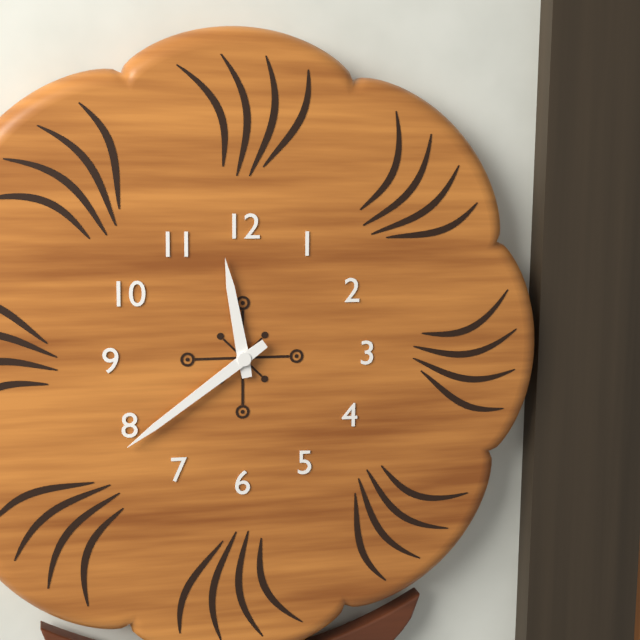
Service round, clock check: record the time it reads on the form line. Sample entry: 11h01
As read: 11h39
